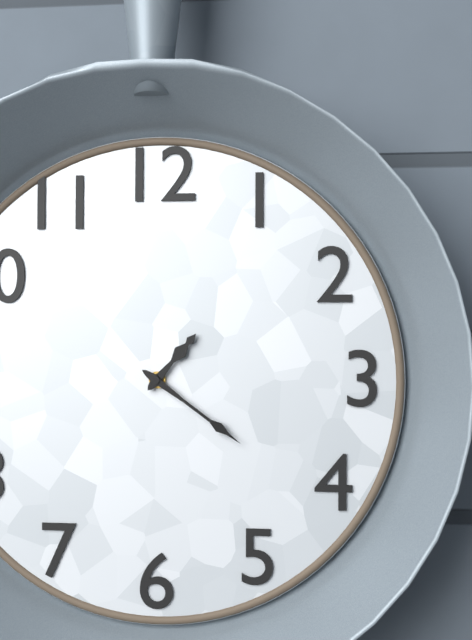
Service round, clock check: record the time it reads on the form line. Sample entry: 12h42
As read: 1h21
